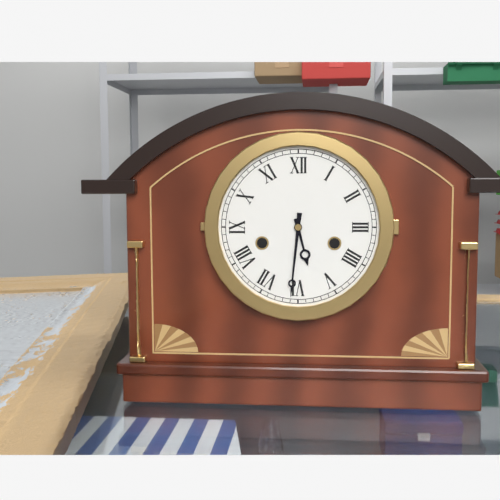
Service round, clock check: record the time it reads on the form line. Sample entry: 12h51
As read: 5h31
